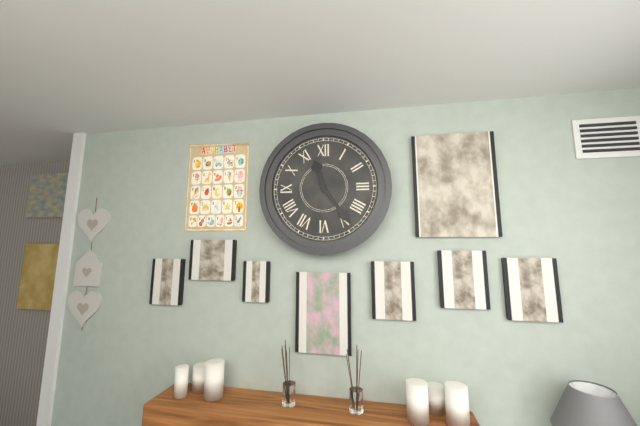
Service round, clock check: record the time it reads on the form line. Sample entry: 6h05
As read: 11h24
